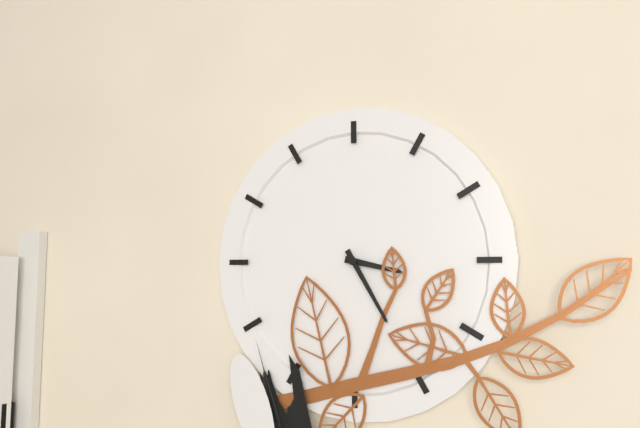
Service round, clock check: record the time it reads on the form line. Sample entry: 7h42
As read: 3h25
